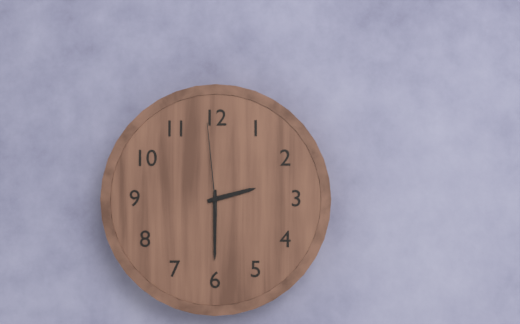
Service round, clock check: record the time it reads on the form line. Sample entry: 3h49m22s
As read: 2h30m59s
